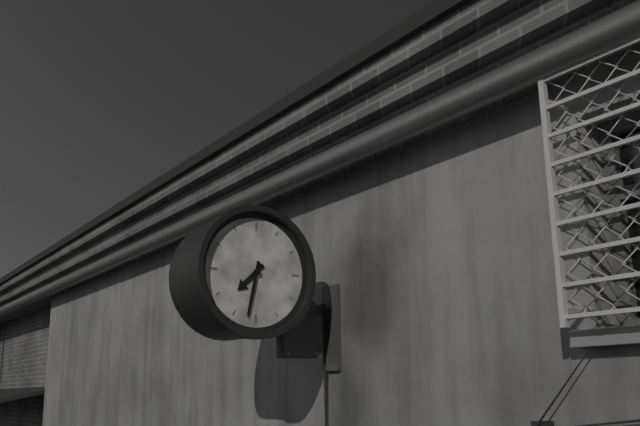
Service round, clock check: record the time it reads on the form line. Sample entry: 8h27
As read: 7h32
